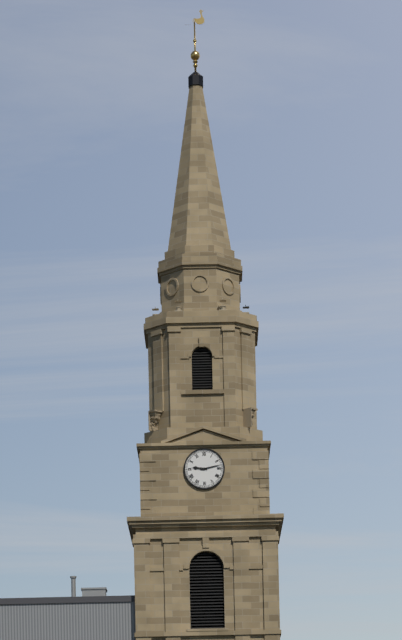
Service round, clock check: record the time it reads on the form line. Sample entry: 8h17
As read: 9h13
